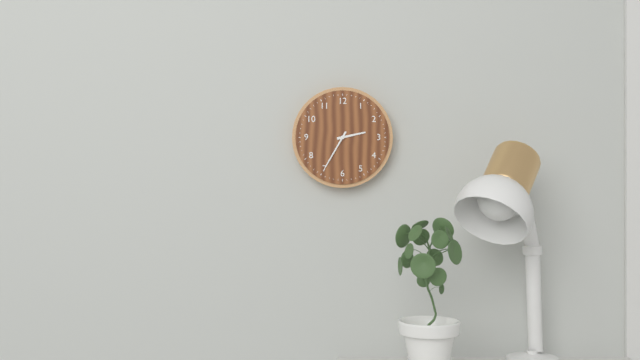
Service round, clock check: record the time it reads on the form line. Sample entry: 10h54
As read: 2h35
